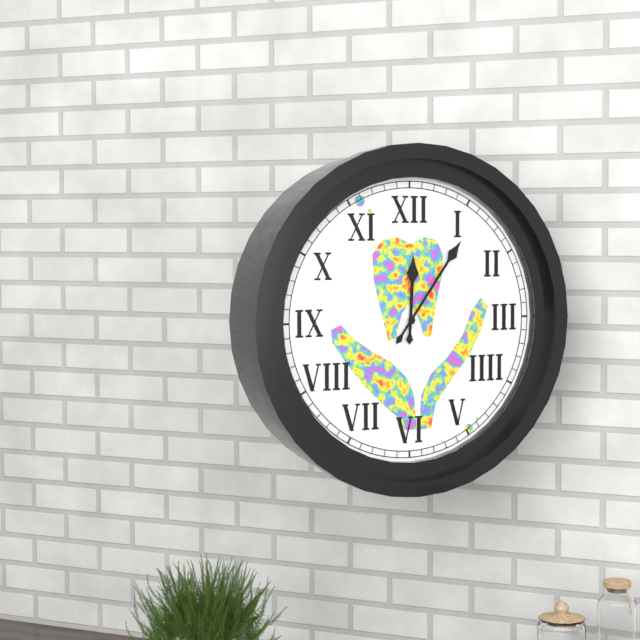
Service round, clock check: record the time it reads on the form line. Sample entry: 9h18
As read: 12h06
